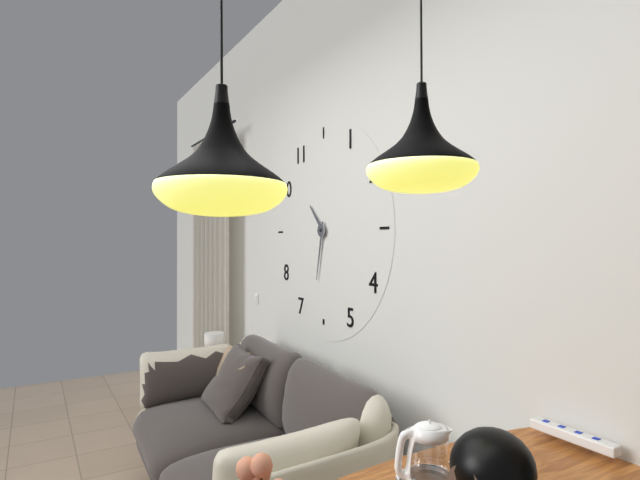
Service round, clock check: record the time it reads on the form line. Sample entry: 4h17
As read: 10h32
